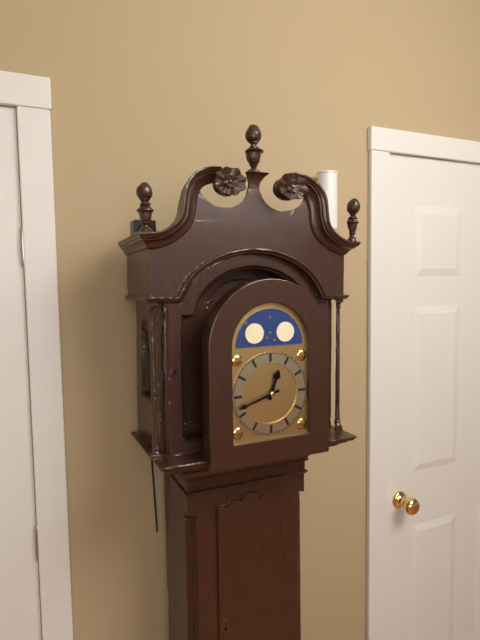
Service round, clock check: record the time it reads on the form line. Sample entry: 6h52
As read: 12h42
